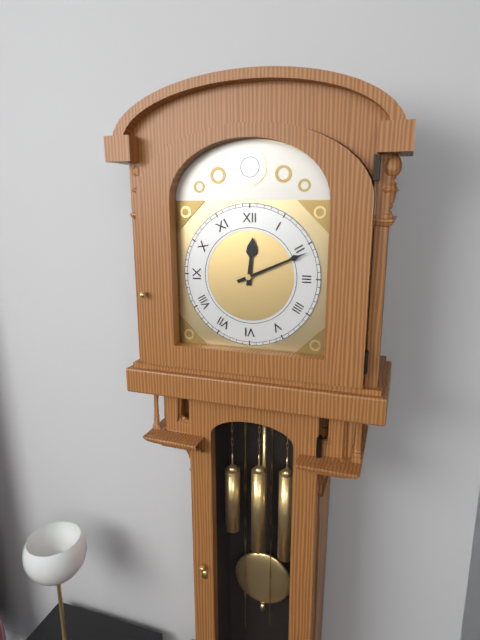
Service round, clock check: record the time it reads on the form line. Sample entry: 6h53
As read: 12h11
